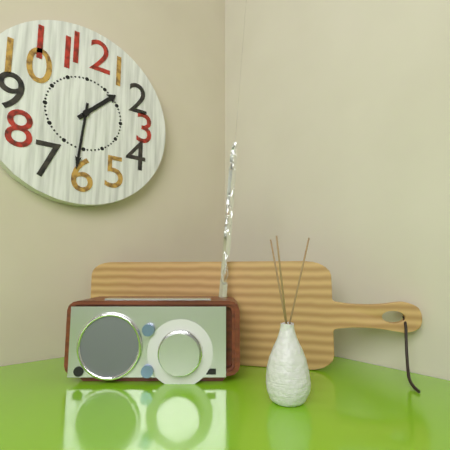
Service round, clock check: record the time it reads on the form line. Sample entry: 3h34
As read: 1h31
